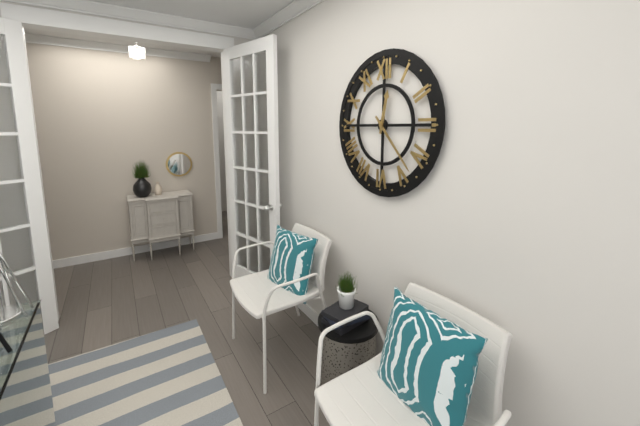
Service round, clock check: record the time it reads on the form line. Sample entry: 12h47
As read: 12h23
